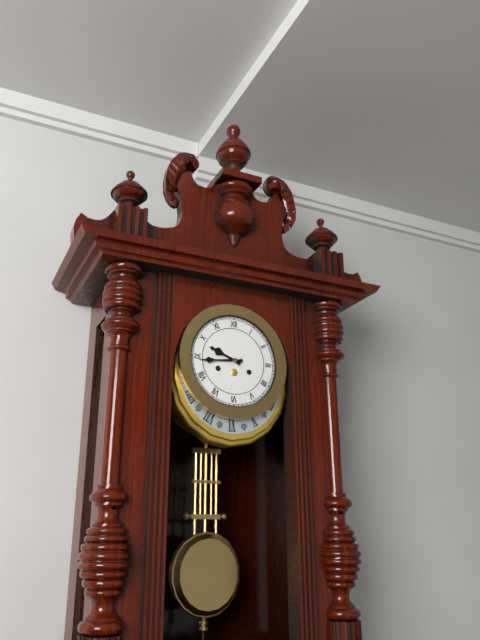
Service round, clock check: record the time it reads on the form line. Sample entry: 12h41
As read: 9h44
